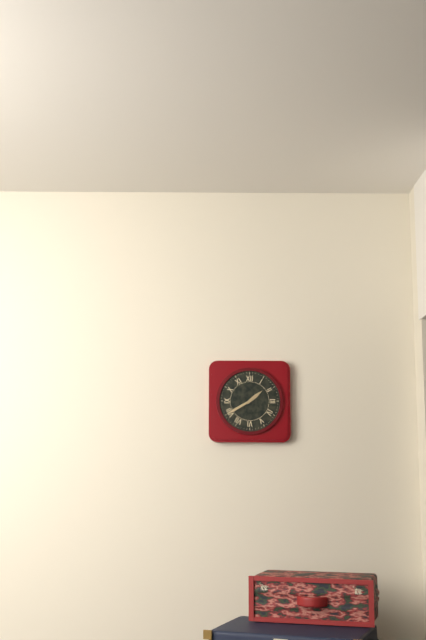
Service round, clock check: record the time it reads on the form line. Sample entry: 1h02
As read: 1h40
